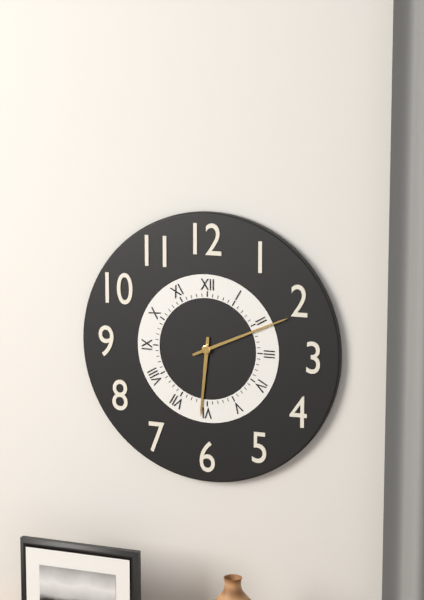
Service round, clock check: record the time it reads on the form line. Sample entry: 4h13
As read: 6h11
